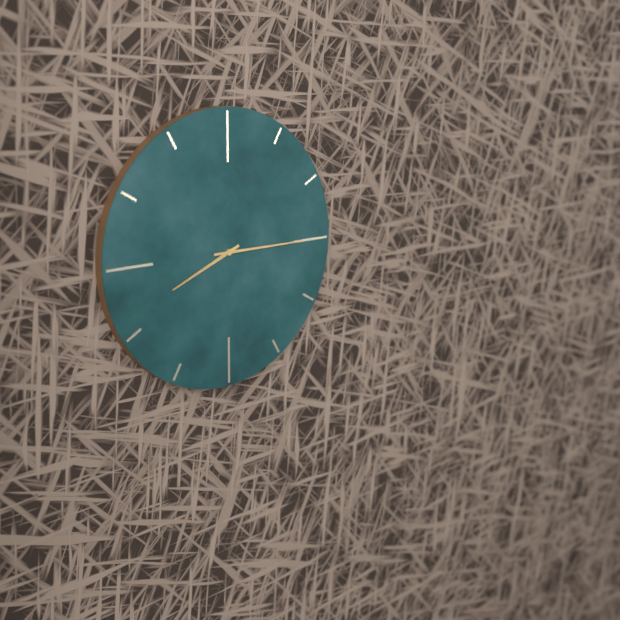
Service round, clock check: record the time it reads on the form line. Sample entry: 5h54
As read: 8h15
